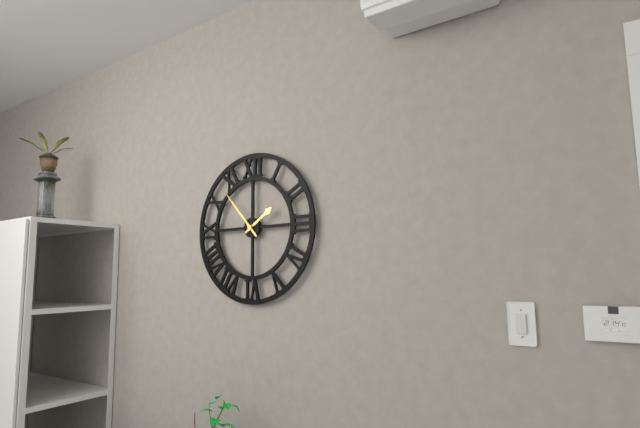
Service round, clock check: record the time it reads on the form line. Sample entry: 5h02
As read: 1h53
